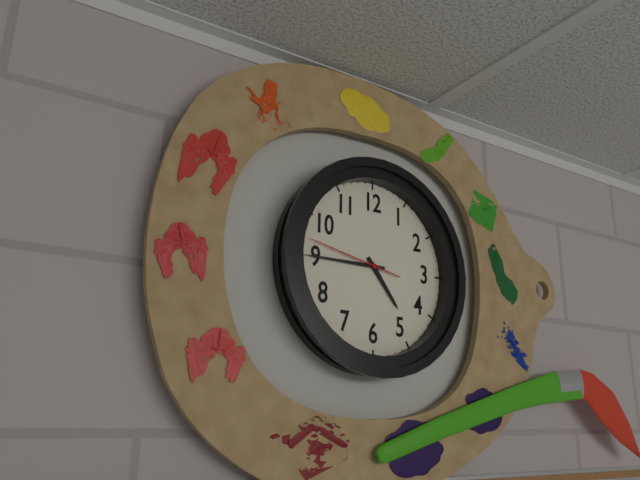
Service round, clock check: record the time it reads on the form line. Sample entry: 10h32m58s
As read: 4h45m47s
